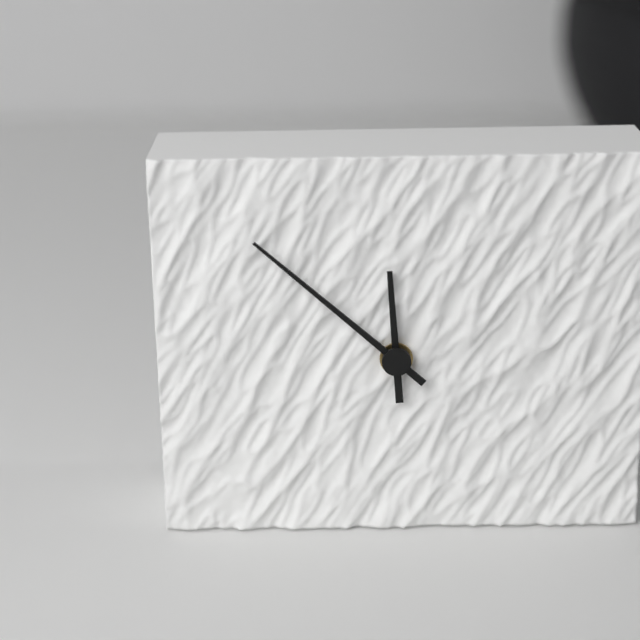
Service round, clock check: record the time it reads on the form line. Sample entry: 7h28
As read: 11h52
